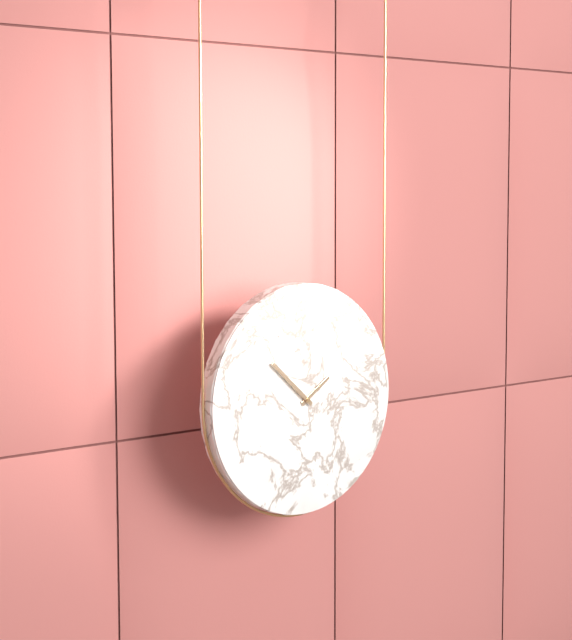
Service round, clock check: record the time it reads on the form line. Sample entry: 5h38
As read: 1h52
